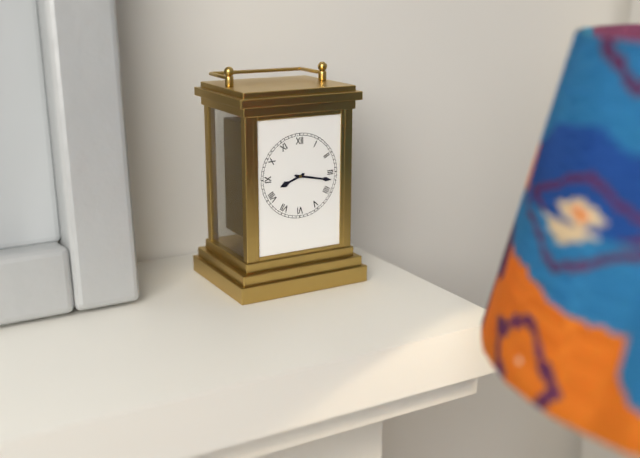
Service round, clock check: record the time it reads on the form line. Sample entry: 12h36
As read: 8h17
